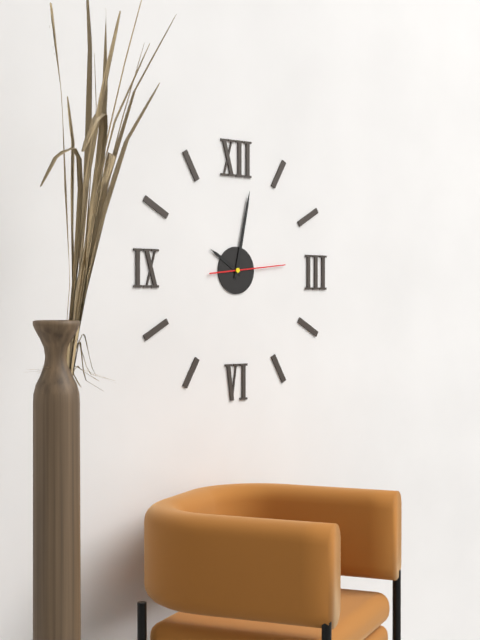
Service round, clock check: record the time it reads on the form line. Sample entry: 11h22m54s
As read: 10h02m14s
